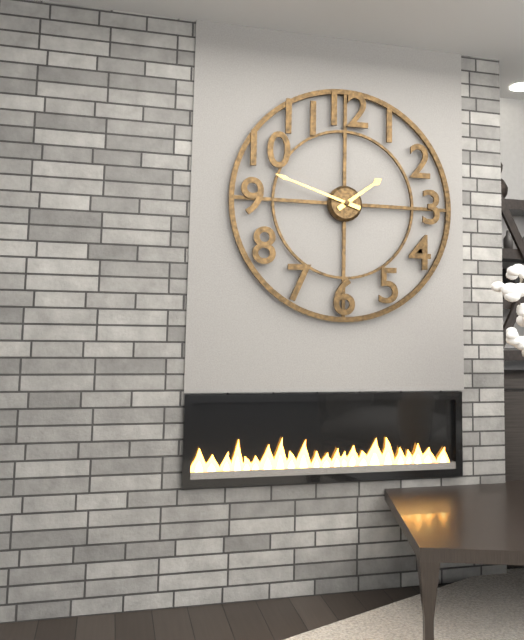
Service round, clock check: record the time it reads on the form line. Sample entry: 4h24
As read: 1h48
